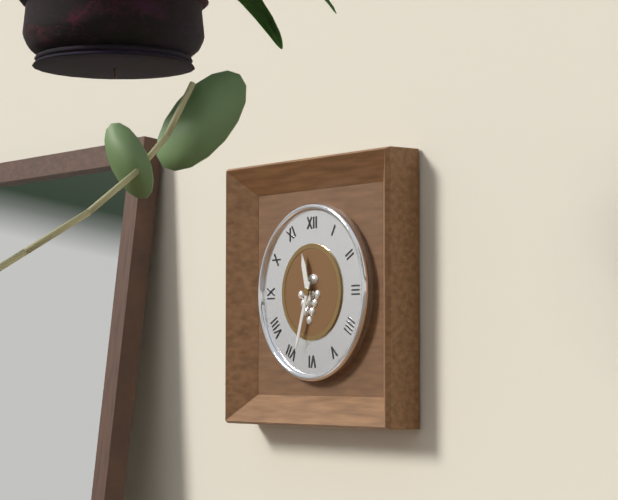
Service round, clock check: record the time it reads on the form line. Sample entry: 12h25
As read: 11h33
